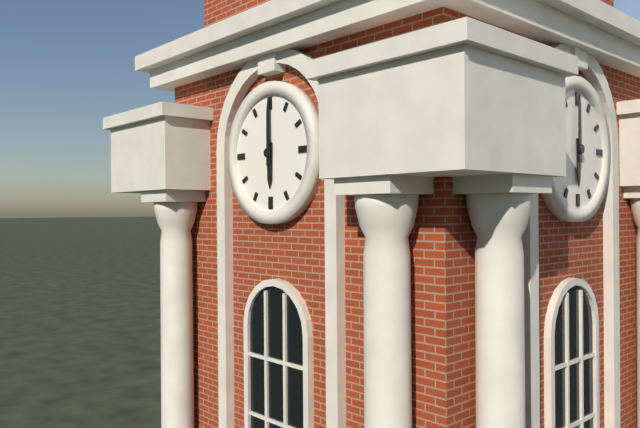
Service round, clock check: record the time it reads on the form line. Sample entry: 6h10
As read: 6h00
